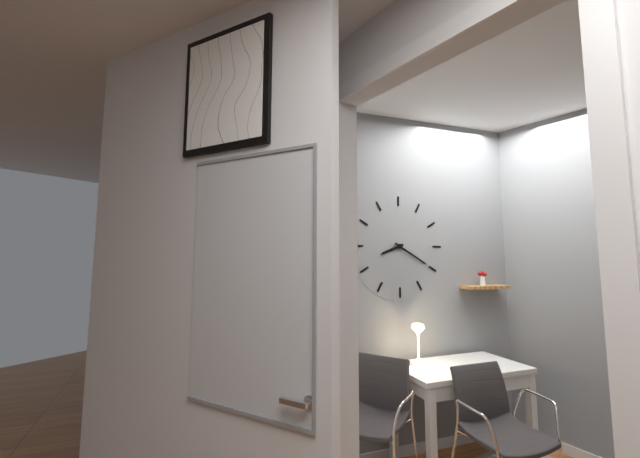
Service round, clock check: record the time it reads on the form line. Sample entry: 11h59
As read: 8h20
